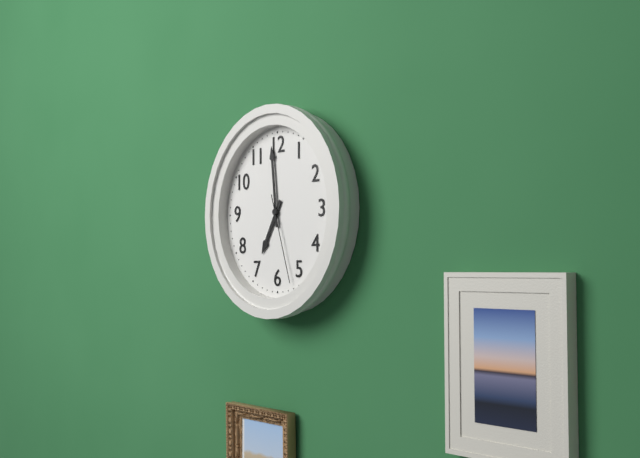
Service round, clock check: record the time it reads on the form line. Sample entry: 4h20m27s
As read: 6h59m27s
